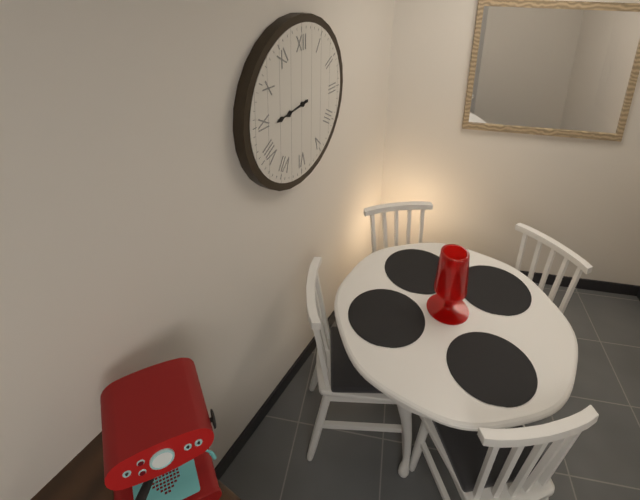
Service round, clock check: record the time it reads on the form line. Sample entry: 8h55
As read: 8h44
